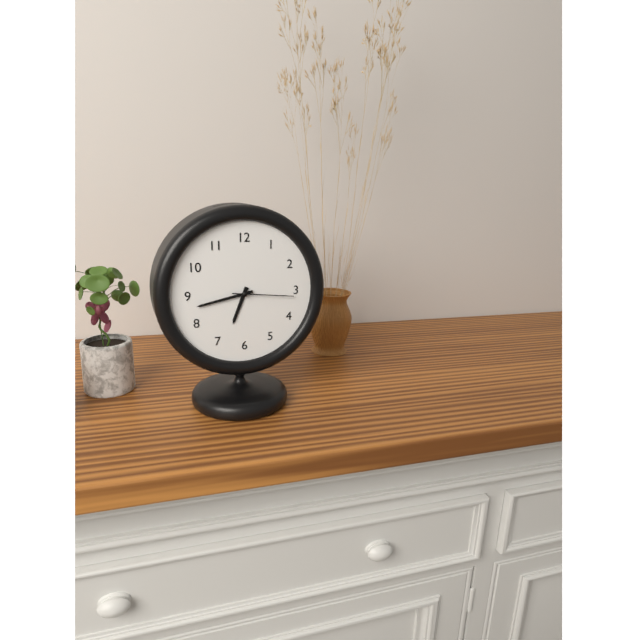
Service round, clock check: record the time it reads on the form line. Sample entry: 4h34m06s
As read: 6h43m16s
